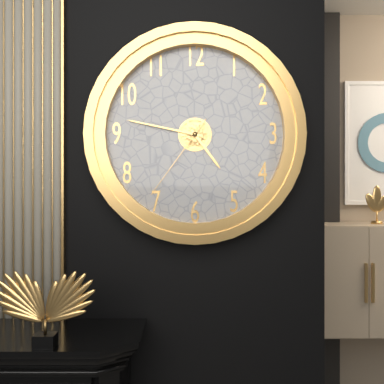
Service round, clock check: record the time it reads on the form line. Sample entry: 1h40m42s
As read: 4h47m36s
